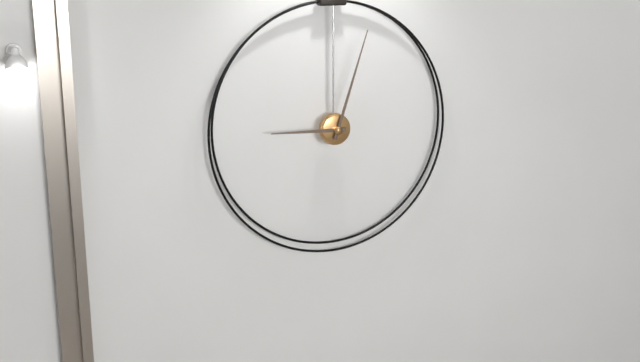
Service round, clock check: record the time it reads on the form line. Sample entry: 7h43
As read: 9h03
